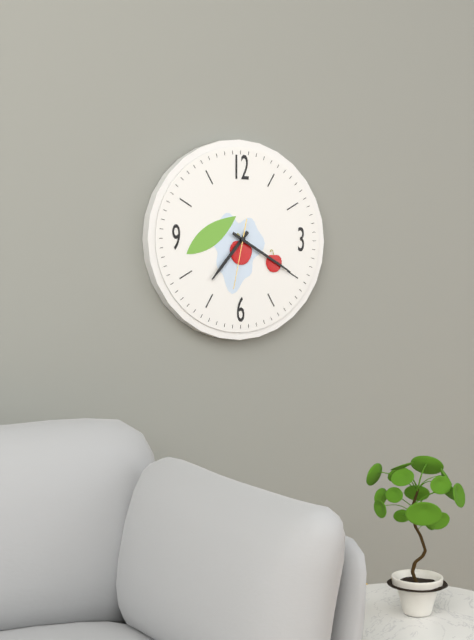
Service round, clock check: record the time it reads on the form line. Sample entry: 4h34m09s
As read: 7h20m32s
